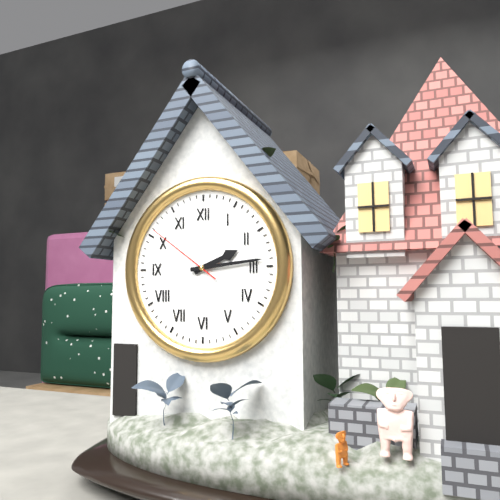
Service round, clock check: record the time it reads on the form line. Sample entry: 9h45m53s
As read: 2h14m51s
